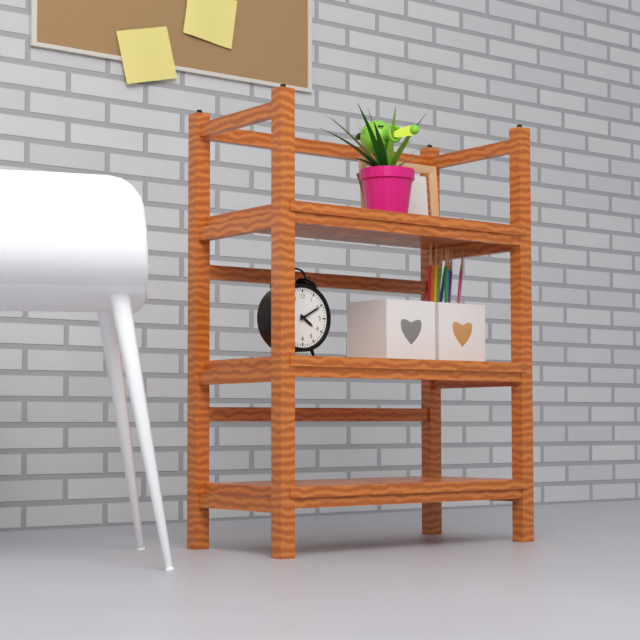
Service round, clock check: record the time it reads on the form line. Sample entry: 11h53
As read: 4h10
